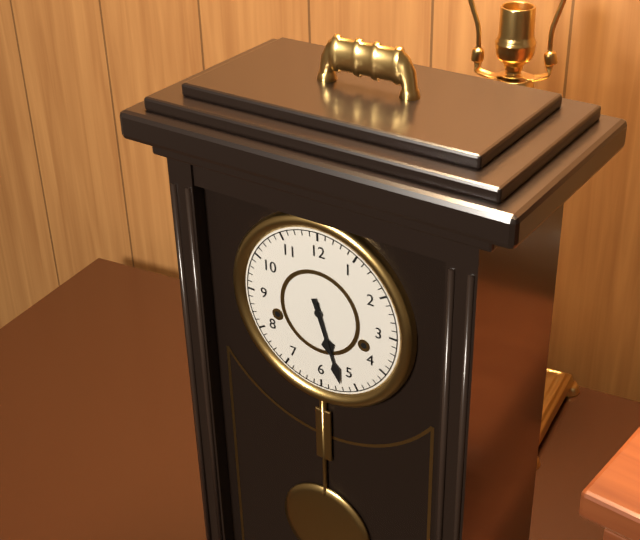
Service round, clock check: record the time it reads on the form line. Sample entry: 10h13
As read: 5h27
